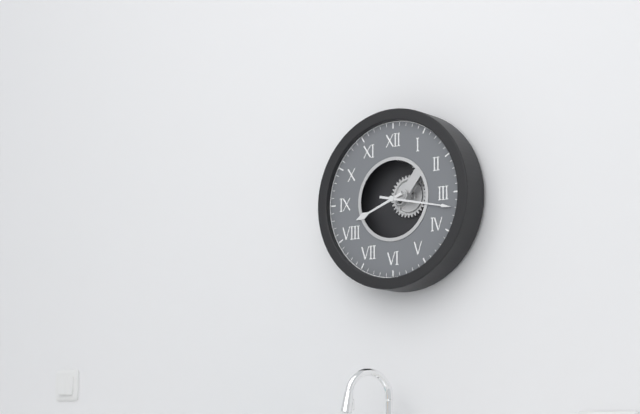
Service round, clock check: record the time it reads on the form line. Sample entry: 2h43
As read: 8h17
